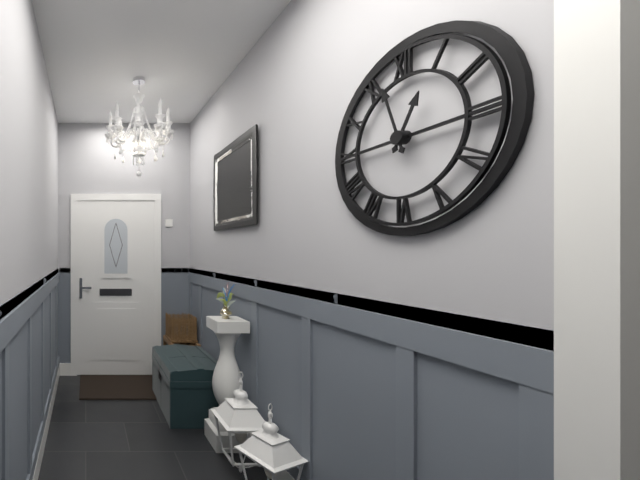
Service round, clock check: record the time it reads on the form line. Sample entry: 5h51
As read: 12h57
